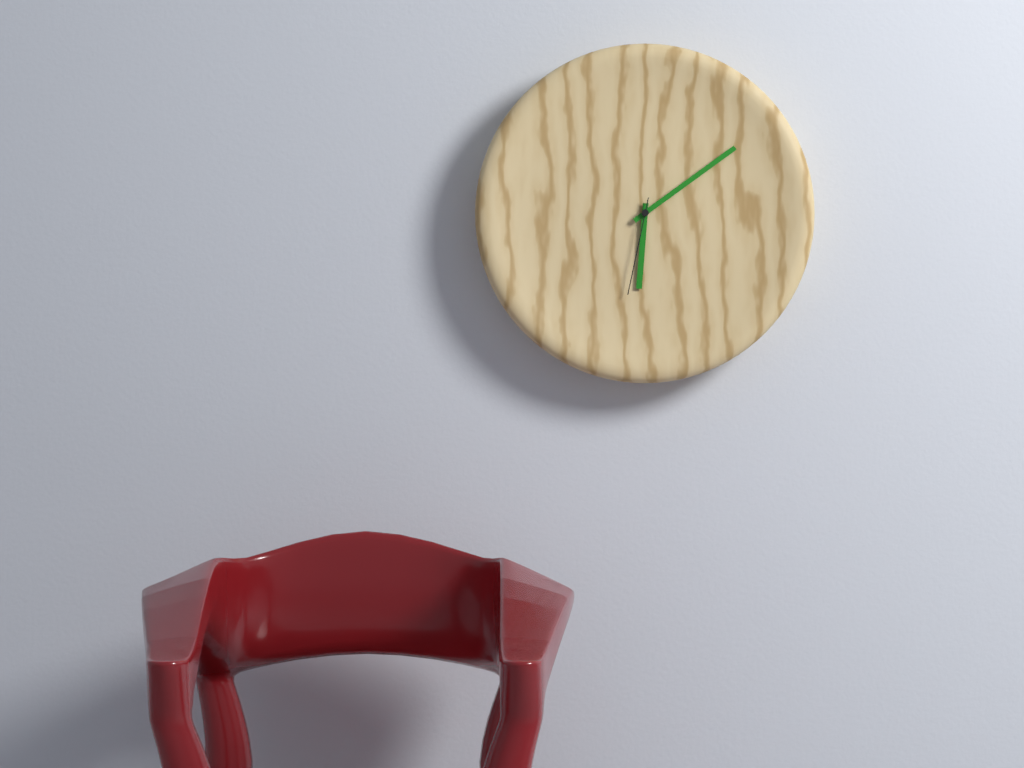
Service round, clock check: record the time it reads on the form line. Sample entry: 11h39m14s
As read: 6h09m32s
